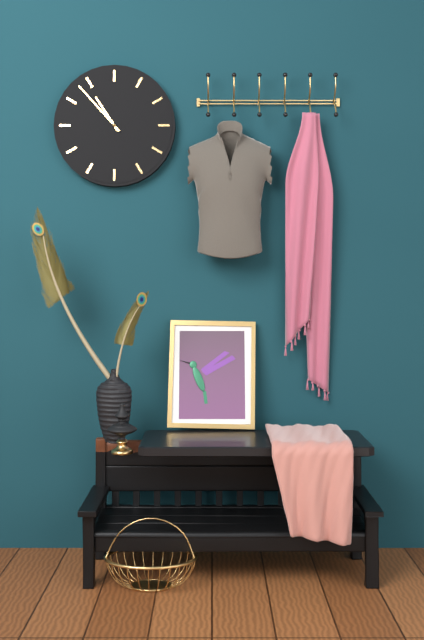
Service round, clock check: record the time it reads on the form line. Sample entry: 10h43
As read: 10h53
